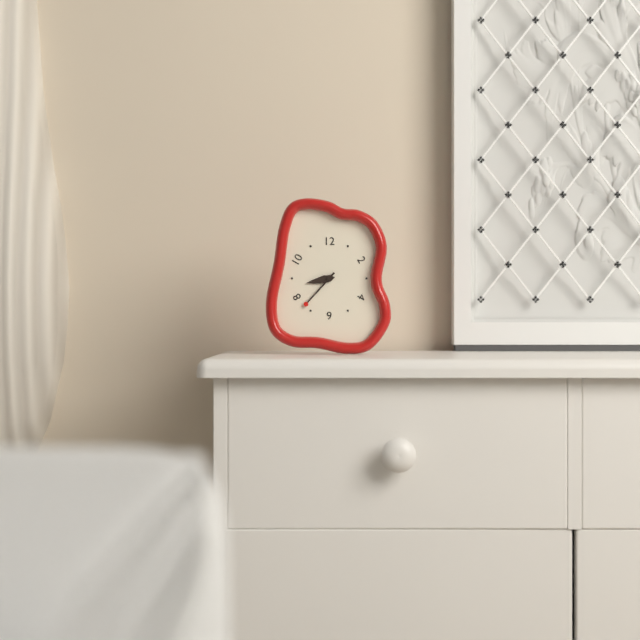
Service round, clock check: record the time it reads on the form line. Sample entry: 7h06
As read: 8h37
